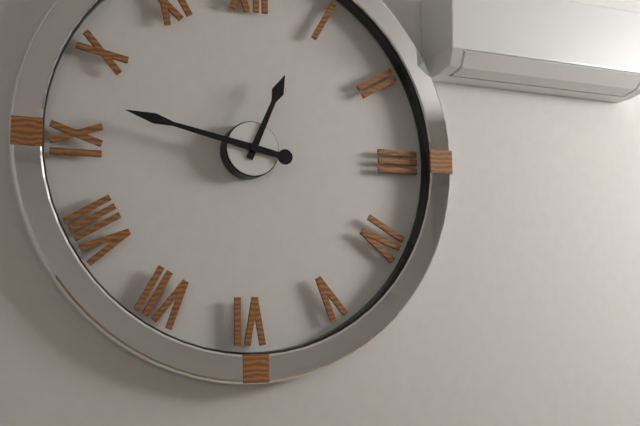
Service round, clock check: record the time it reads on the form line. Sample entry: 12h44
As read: 12h47
